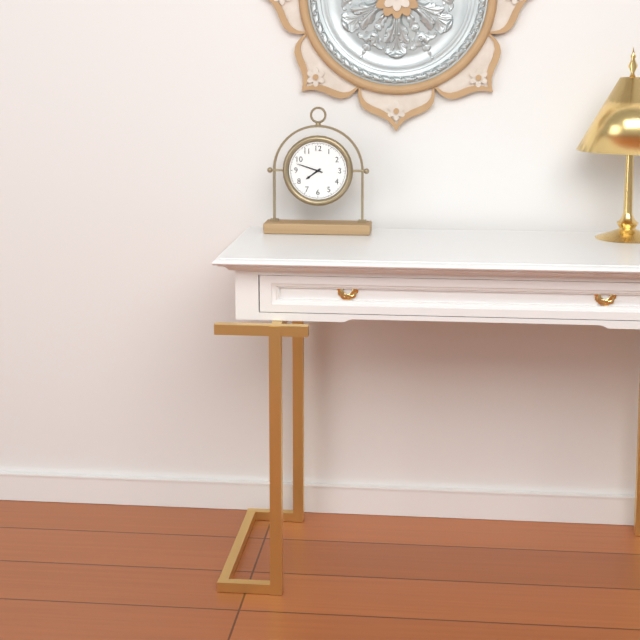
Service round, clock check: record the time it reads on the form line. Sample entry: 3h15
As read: 7h48
